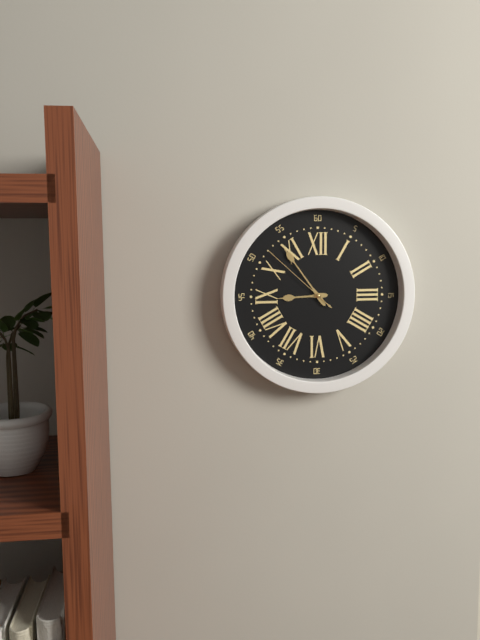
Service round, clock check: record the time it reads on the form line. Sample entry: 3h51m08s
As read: 8h54m52s
